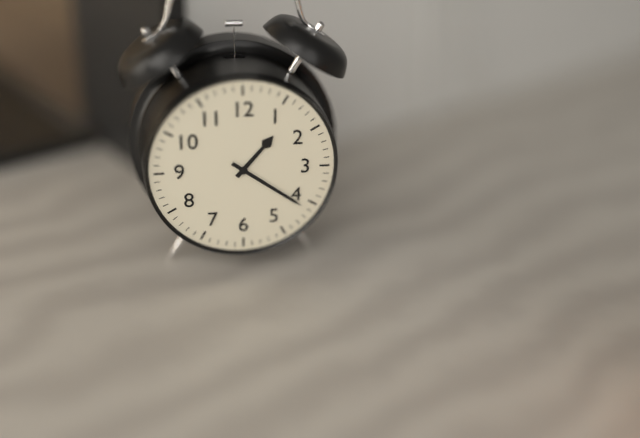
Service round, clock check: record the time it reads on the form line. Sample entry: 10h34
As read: 1h21
